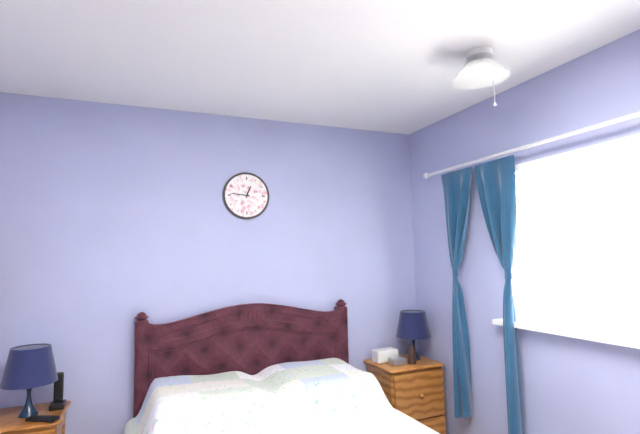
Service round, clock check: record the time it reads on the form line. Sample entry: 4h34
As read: 12h46
